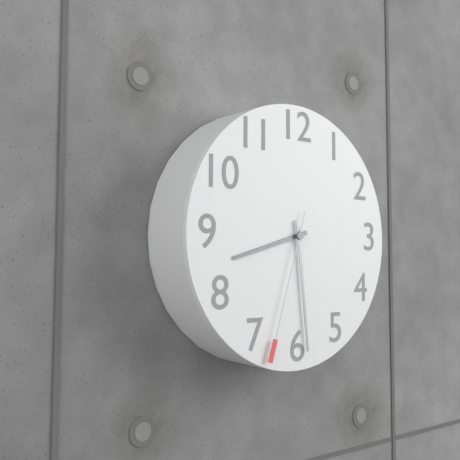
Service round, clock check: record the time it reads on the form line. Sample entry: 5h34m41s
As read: 8h29m33s
